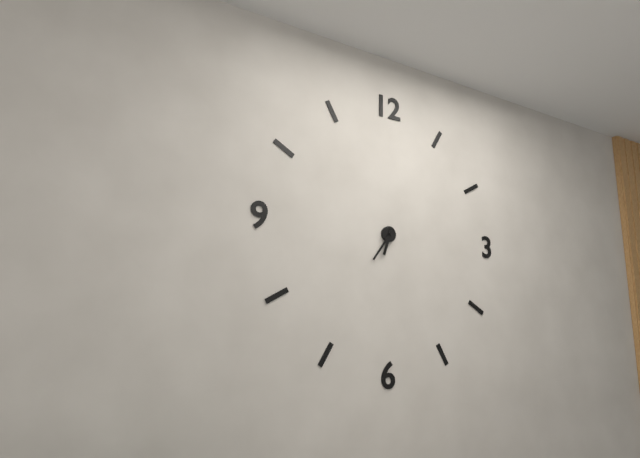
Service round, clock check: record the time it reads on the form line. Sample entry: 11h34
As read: 6h36
